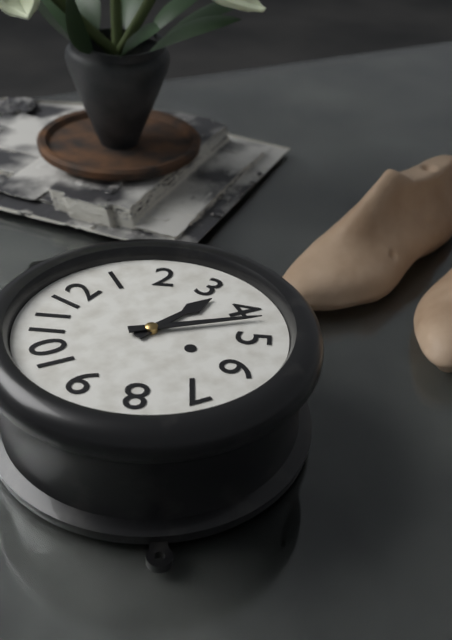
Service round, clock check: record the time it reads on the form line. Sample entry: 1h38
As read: 3h22
